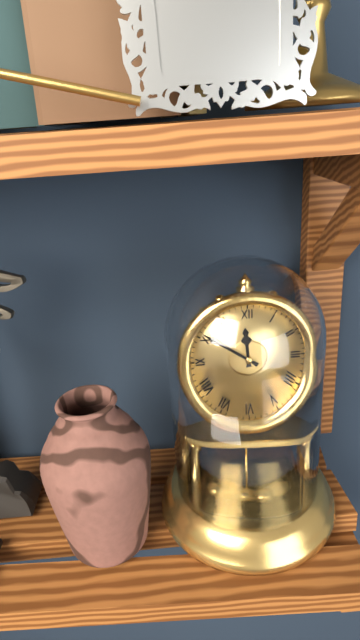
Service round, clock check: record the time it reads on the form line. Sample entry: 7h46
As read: 11h51
